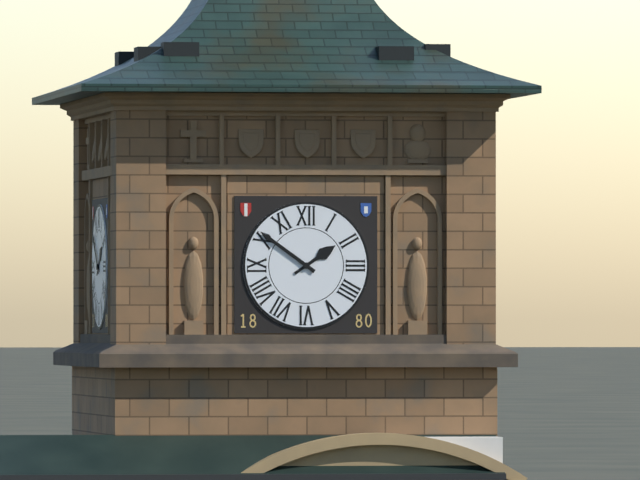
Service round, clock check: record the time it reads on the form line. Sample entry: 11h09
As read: 1h51
